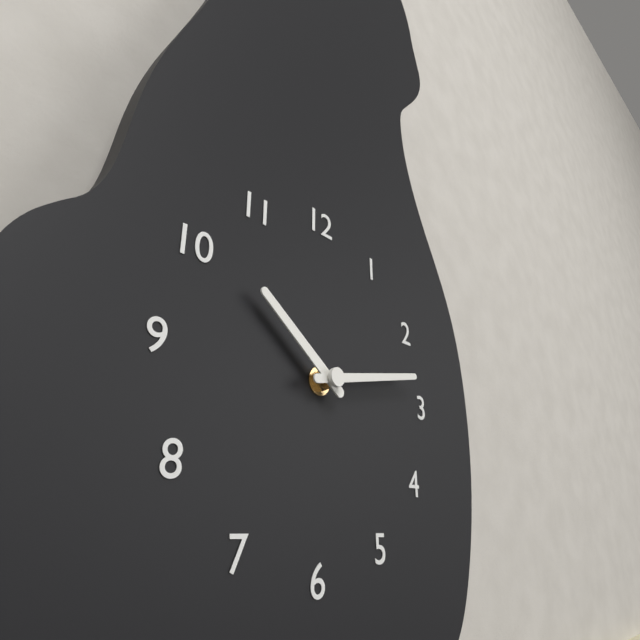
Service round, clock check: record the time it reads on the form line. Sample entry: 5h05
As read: 10h13
